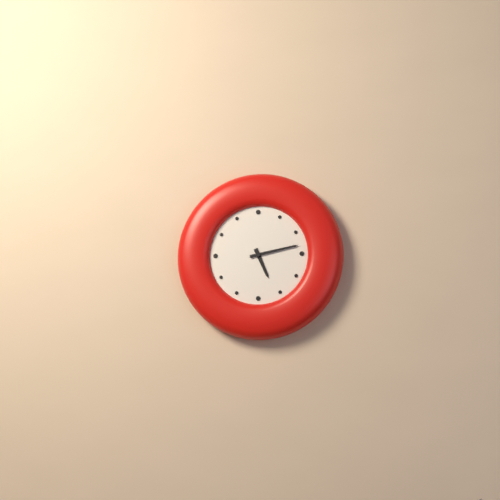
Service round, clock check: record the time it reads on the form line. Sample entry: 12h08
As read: 5h13
